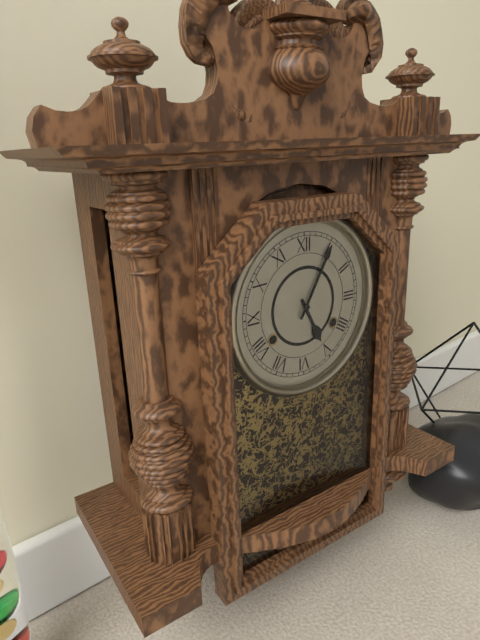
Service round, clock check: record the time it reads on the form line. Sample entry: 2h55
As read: 5h05
